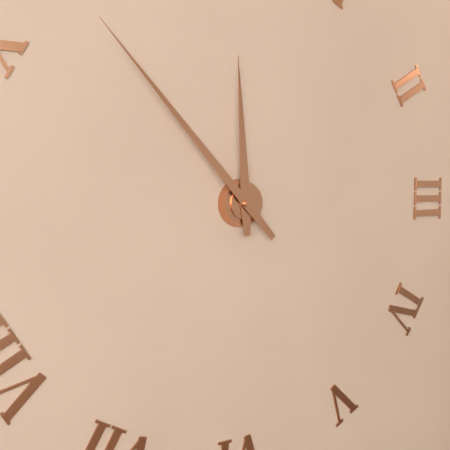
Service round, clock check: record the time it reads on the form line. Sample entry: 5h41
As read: 11h53
